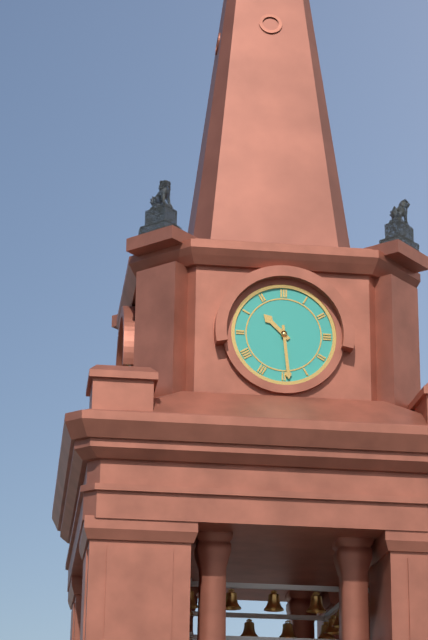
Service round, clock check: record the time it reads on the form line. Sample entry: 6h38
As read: 10h29
